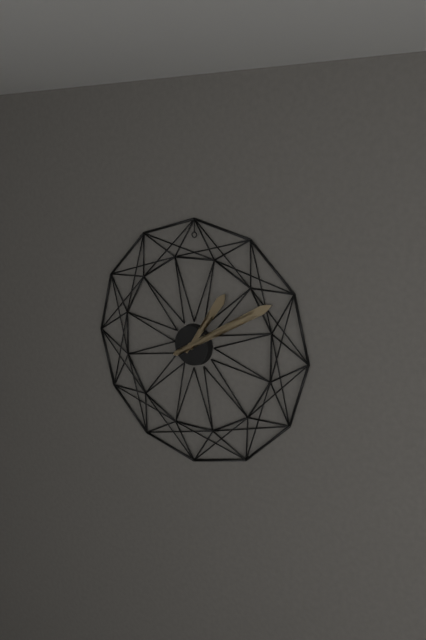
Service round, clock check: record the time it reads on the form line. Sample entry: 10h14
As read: 1h10
